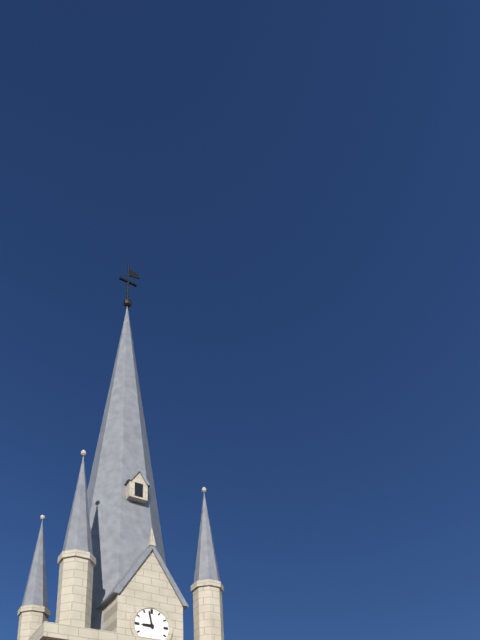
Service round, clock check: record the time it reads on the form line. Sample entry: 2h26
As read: 8h58
